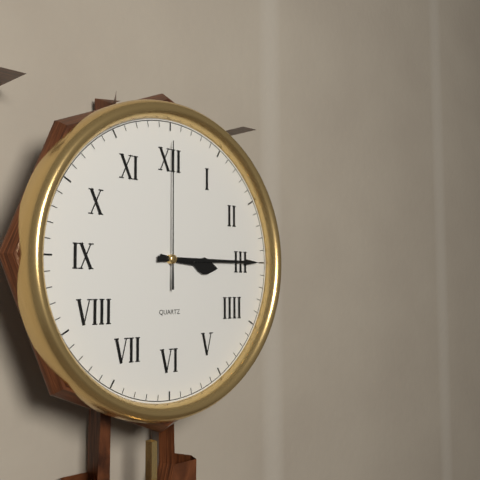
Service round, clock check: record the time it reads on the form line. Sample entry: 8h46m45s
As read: 3h15m00s
